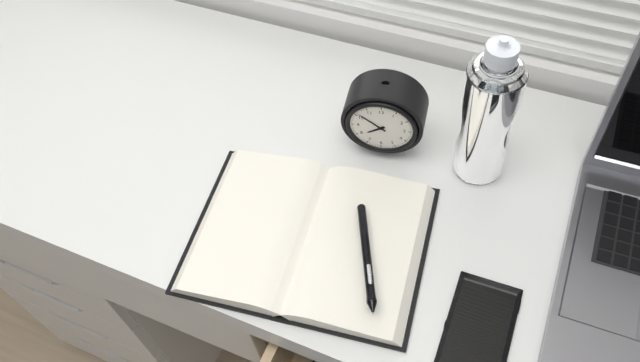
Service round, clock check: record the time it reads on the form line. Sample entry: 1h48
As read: 7h51
